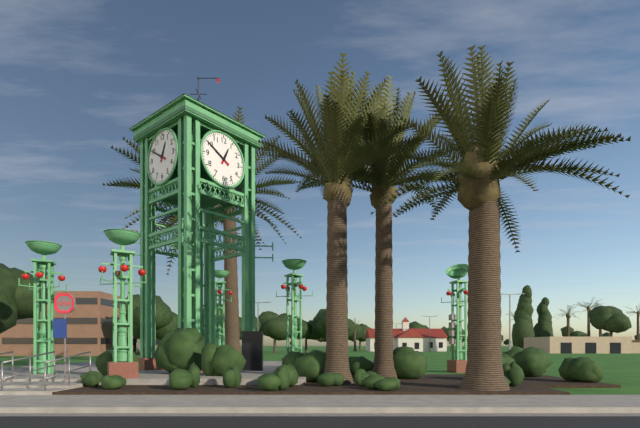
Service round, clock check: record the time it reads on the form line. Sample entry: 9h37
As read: 12h50
